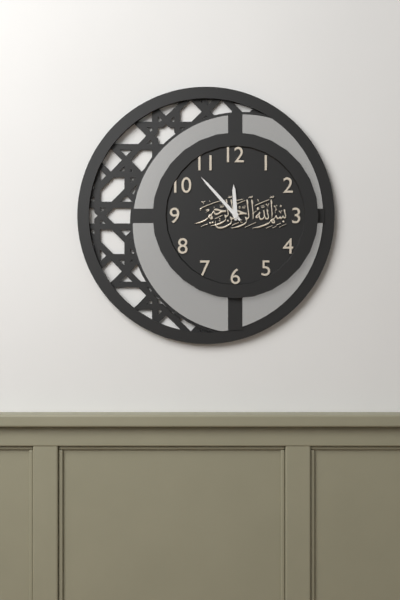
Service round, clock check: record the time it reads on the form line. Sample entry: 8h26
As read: 11h53
